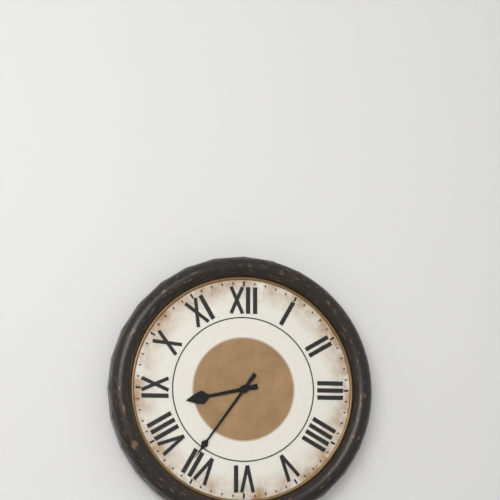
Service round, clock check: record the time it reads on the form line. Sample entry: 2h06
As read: 8h36
